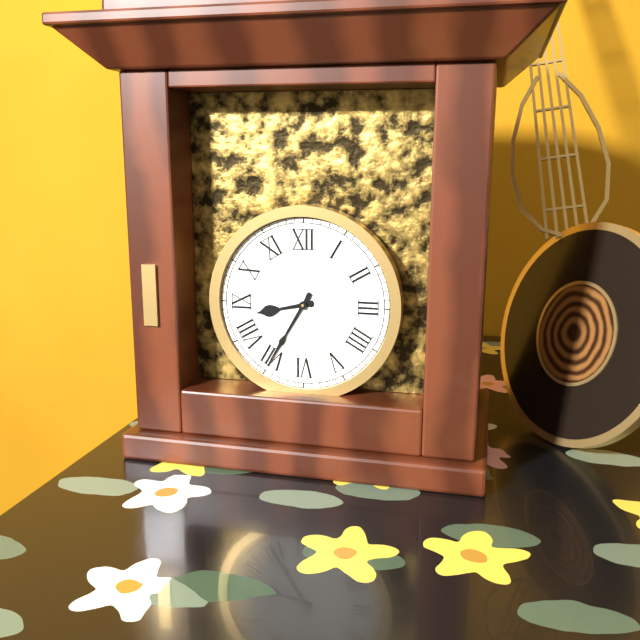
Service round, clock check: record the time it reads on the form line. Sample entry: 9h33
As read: 8h35
